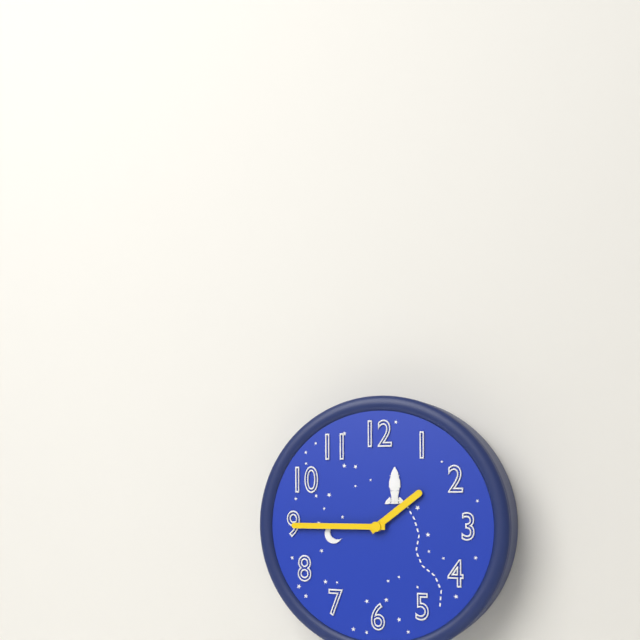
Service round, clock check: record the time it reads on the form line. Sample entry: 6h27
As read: 1h45
